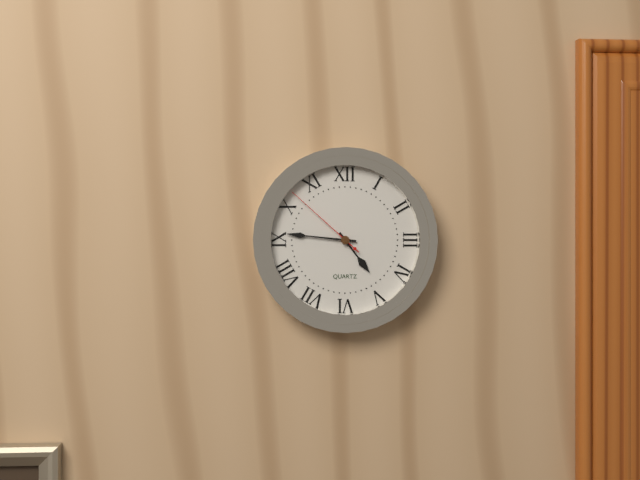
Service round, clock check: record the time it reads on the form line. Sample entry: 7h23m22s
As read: 4h46m52s
